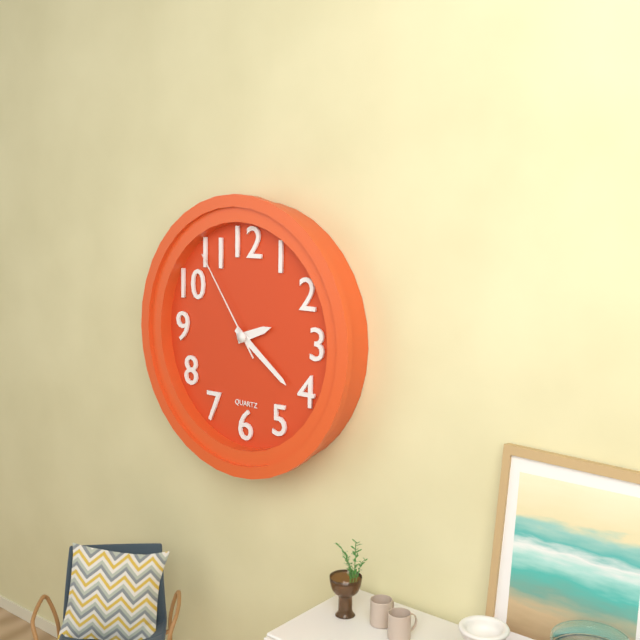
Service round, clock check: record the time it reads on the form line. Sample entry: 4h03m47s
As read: 2h21m54s
